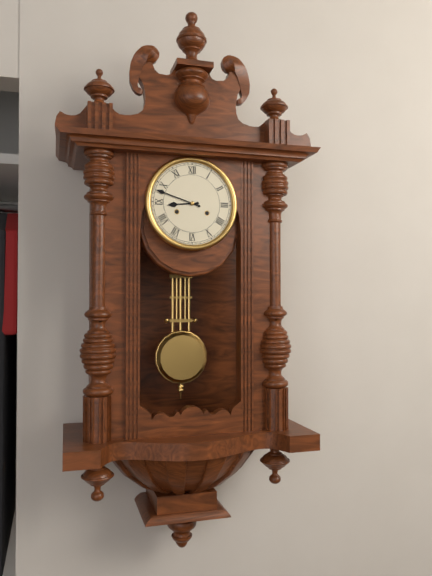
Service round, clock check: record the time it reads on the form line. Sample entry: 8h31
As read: 8h48
